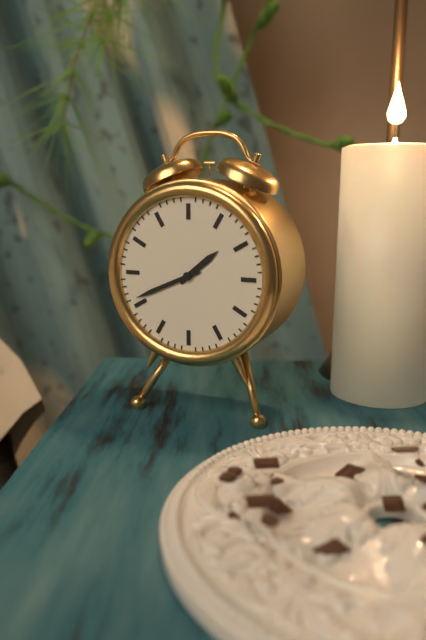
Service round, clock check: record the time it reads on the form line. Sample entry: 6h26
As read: 1h41
